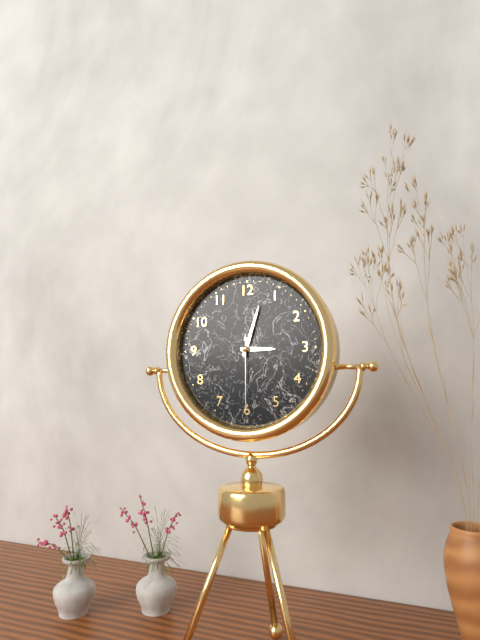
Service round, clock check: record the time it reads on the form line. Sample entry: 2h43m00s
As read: 3h03m30s
